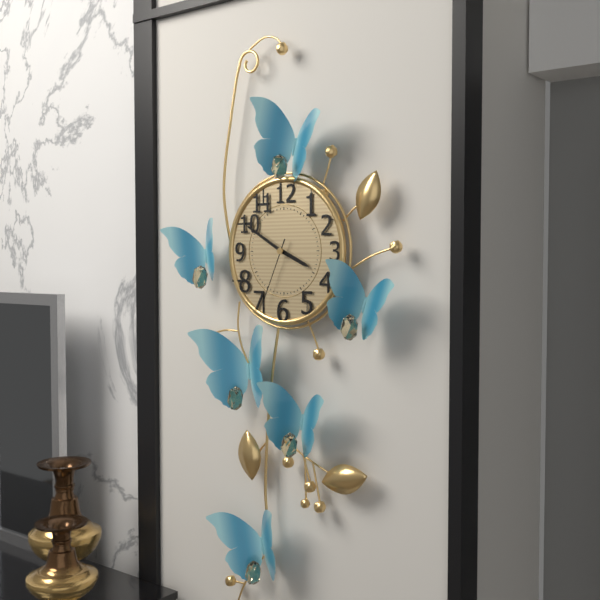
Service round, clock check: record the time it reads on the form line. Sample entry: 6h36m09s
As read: 3h50m34s
